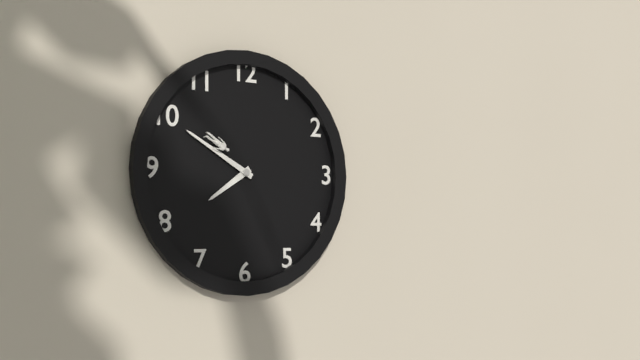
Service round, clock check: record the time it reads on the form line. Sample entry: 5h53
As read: 7h50
